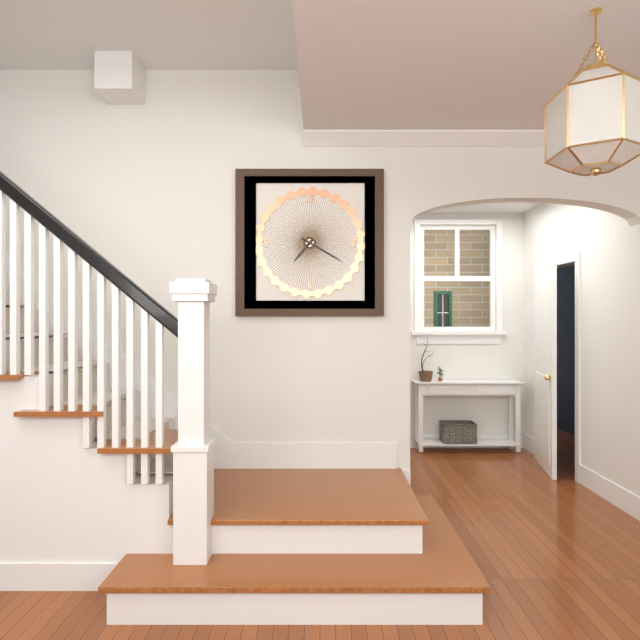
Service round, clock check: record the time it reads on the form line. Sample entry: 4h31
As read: 7h20
